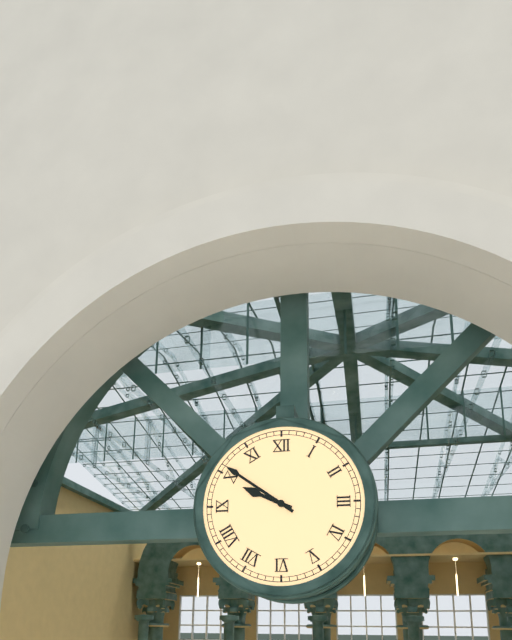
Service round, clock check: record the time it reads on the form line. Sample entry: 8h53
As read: 9h51
